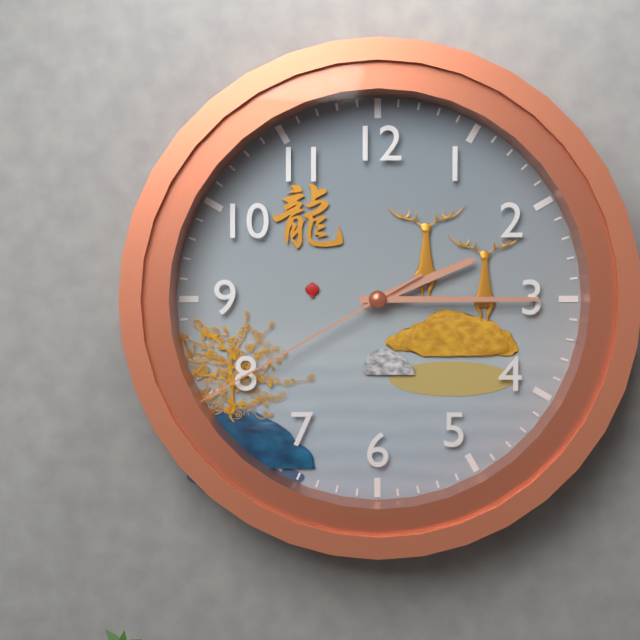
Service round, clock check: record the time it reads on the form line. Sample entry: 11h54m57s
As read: 2h15m40s
